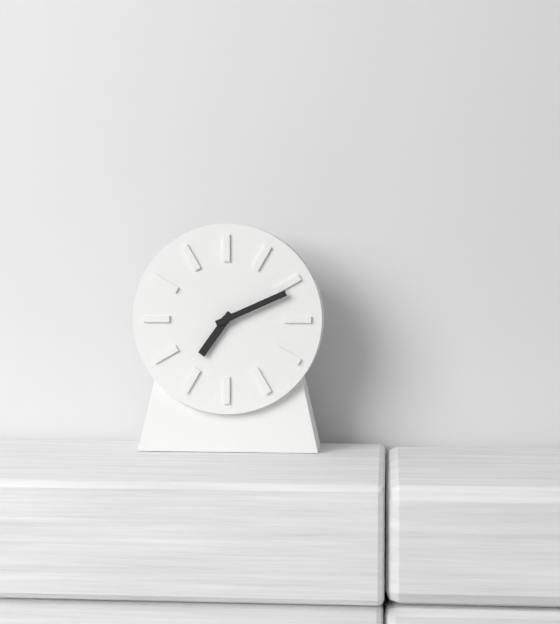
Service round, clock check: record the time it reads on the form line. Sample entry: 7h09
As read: 7h11
